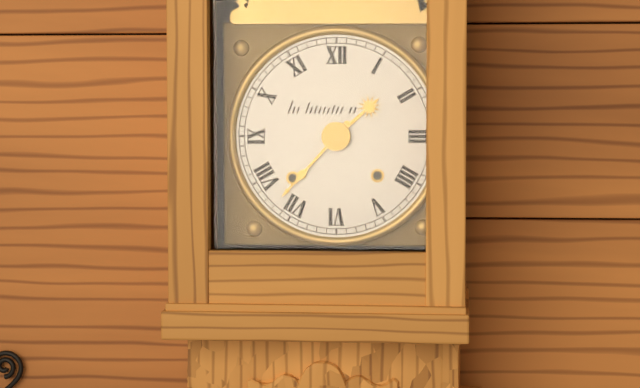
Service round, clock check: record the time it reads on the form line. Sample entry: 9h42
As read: 1h37
